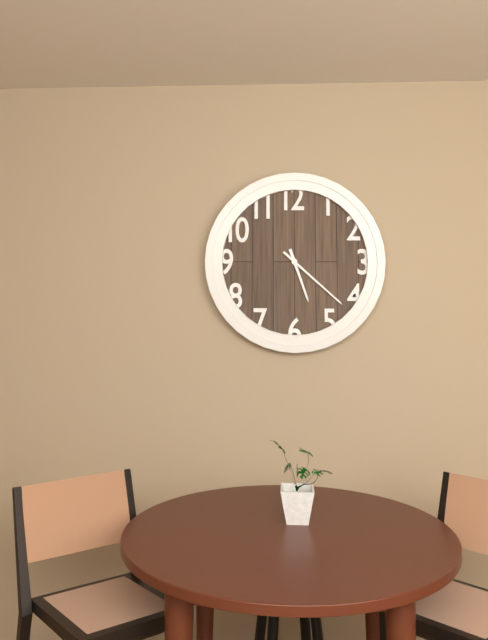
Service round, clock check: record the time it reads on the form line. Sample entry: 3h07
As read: 5h22
